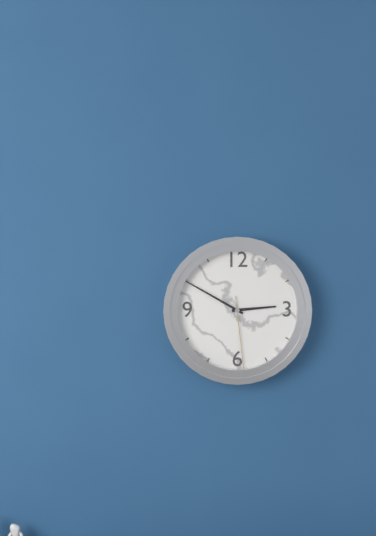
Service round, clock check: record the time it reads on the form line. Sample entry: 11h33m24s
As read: 2h50m29s
